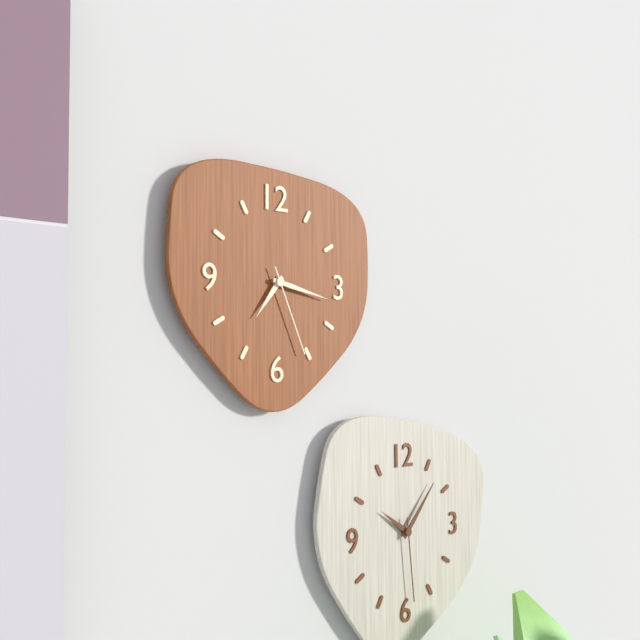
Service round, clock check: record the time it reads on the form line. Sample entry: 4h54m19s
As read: 7h17m26s
